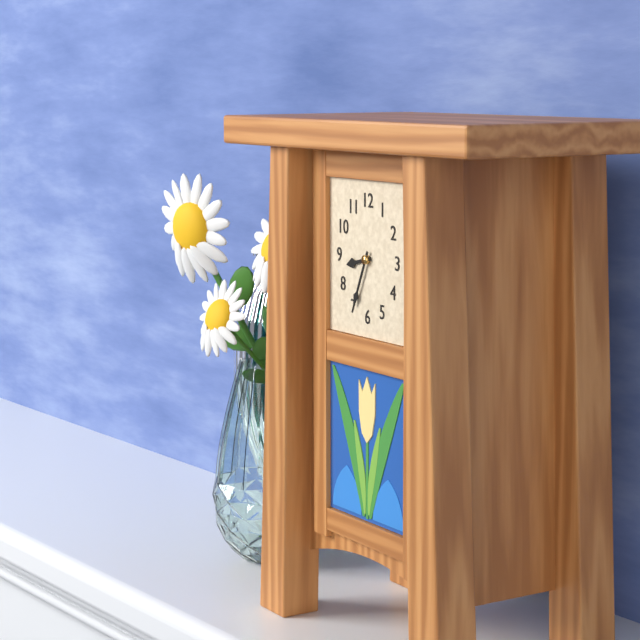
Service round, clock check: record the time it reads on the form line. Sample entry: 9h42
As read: 8h34
